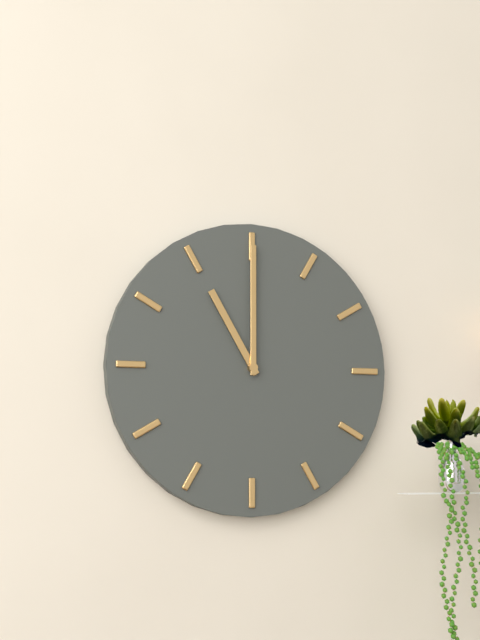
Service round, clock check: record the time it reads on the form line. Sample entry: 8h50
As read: 11h00
